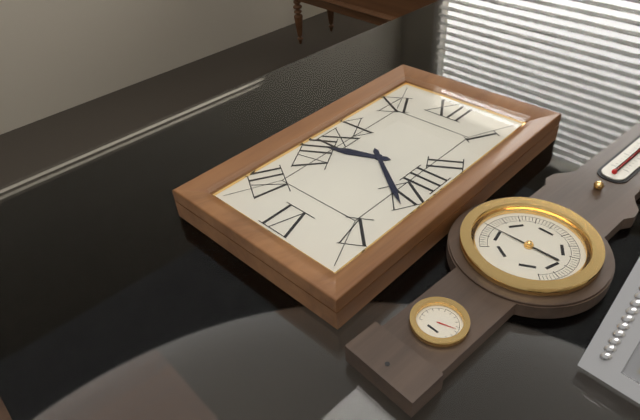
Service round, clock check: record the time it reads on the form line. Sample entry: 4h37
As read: 8h21
